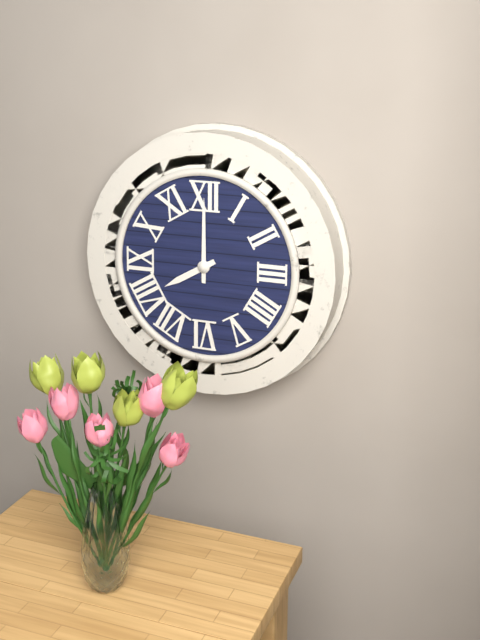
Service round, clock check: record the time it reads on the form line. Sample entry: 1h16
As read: 8h00
